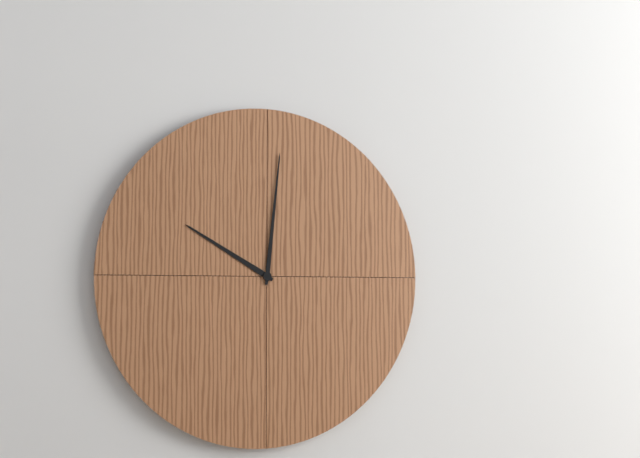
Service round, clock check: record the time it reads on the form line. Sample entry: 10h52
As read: 10h01
